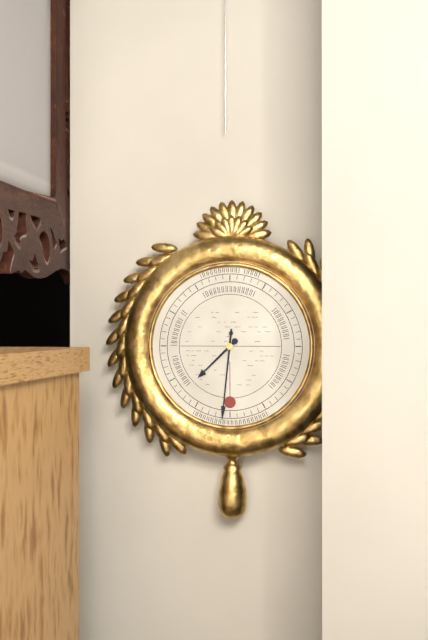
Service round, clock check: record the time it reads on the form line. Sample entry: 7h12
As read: 7h31
